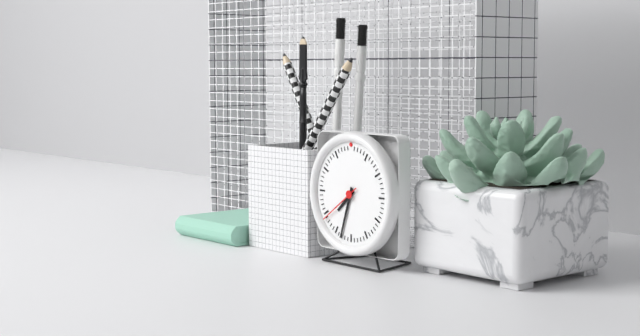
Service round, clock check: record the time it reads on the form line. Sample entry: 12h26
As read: 7h33
